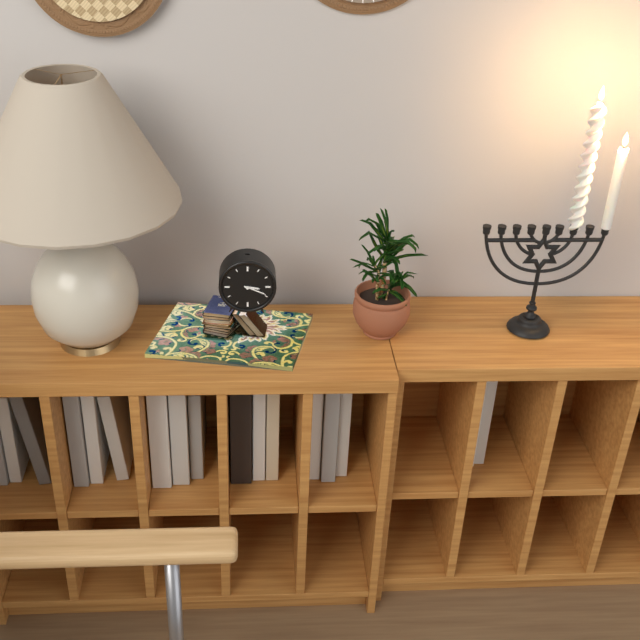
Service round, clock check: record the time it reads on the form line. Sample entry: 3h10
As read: 3h19
